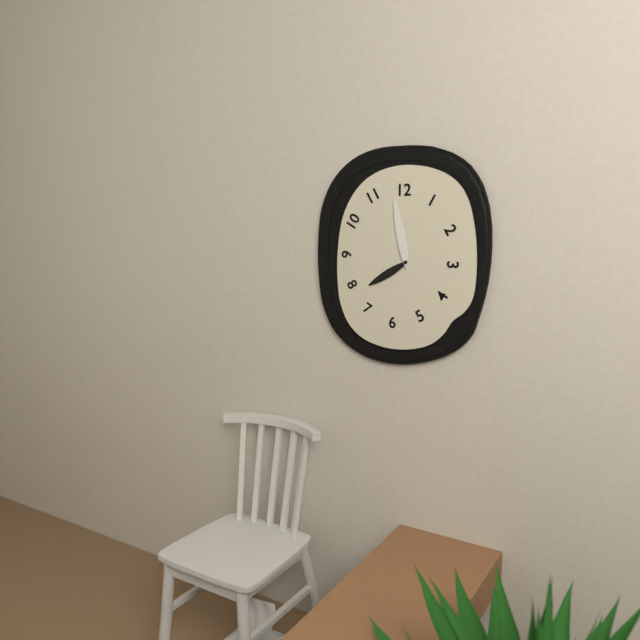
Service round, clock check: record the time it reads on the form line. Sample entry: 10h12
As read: 7h58
